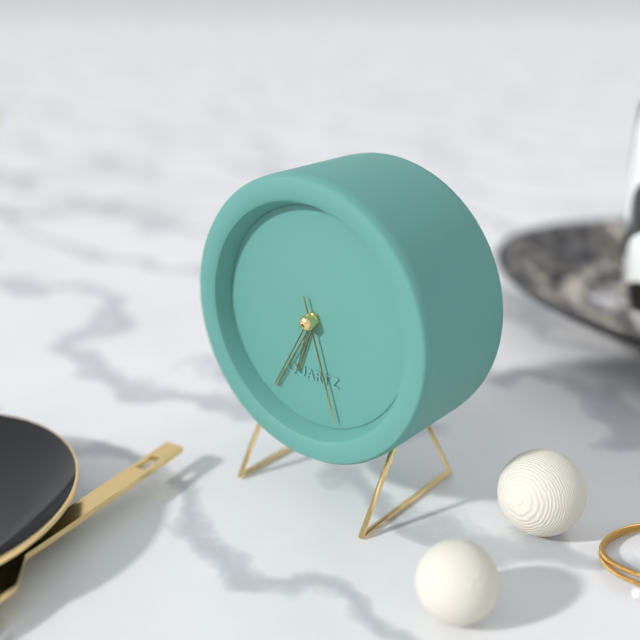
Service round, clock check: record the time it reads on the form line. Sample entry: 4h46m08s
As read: 6h35m27s
